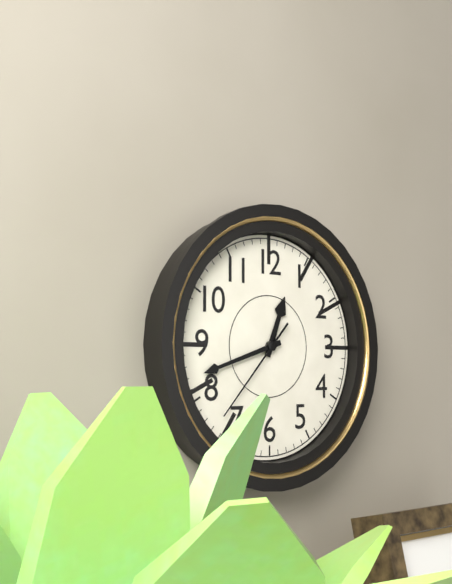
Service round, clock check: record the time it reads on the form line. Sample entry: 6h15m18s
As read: 12h42m37s
